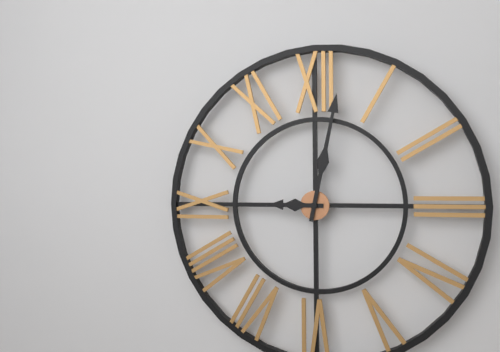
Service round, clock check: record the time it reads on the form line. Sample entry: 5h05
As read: 9h02
